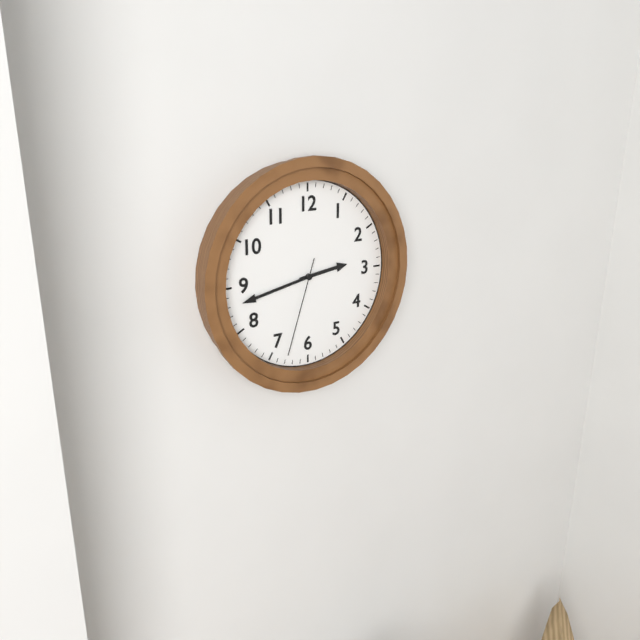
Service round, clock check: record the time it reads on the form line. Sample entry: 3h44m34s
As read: 2h43m33s
